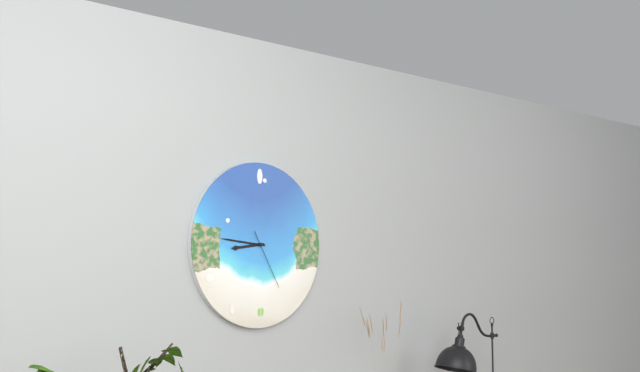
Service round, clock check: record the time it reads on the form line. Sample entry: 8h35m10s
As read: 8h46m25s
